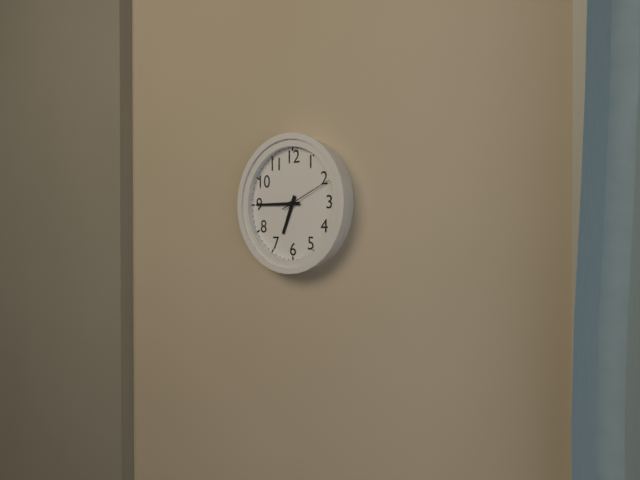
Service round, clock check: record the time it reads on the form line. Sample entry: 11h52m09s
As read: 6h45m11s
